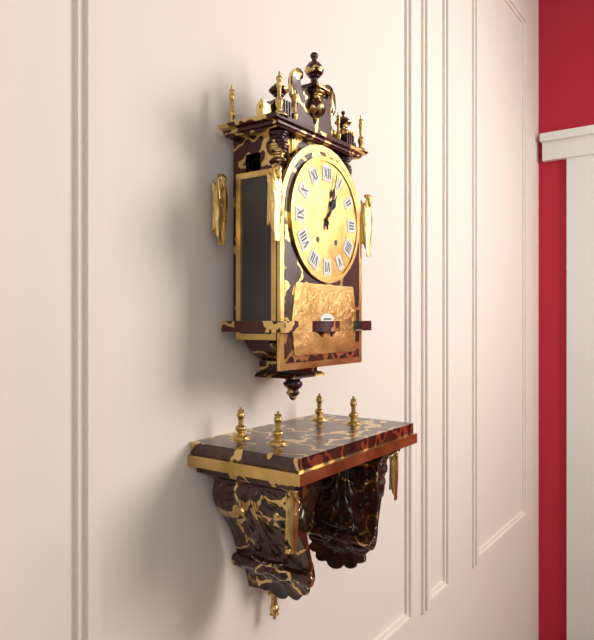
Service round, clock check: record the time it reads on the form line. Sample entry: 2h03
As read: 1h03
